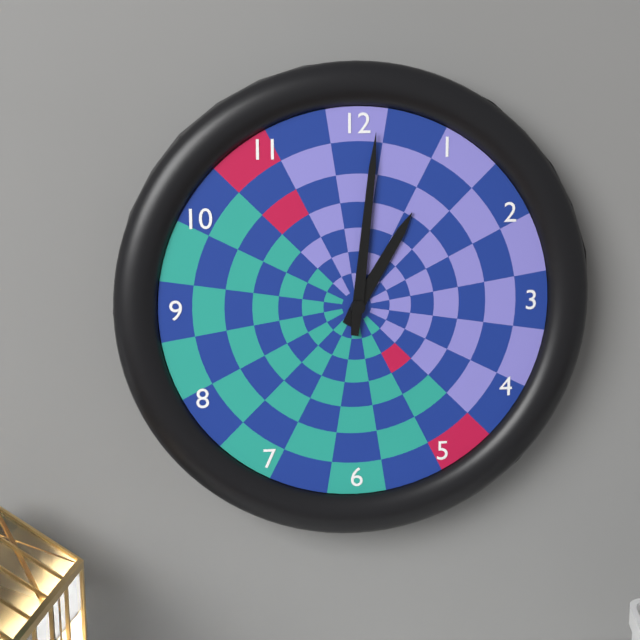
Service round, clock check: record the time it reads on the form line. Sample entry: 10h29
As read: 1h01
